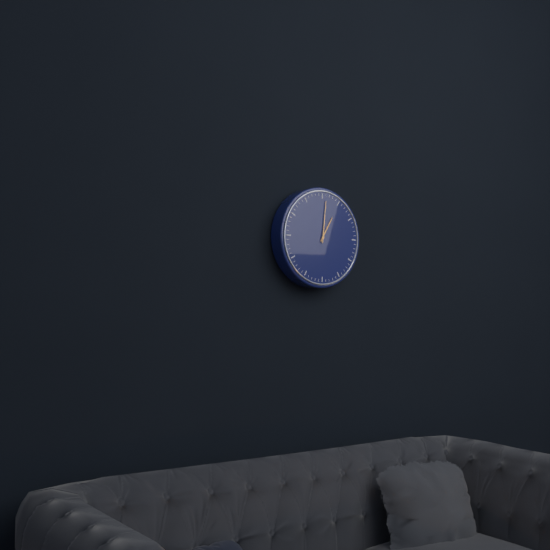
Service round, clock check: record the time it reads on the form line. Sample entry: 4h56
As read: 1h01
